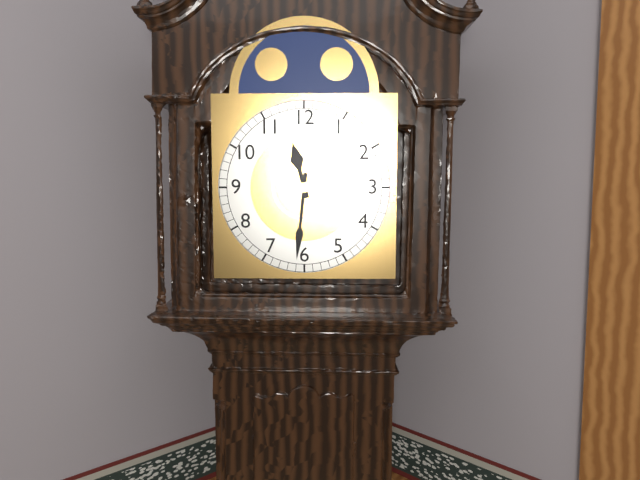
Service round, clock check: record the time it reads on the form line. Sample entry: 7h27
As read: 11h31
